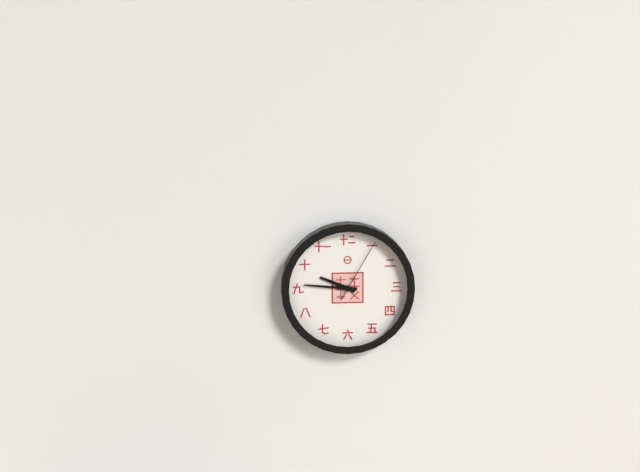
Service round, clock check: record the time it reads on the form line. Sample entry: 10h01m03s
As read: 9h46m05s
